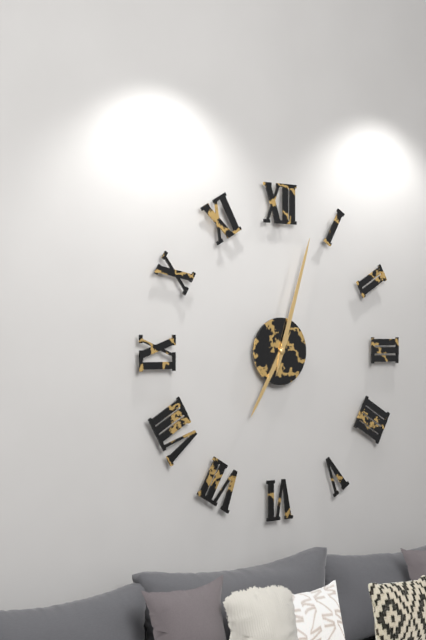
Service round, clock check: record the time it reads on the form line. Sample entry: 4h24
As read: 7h03
